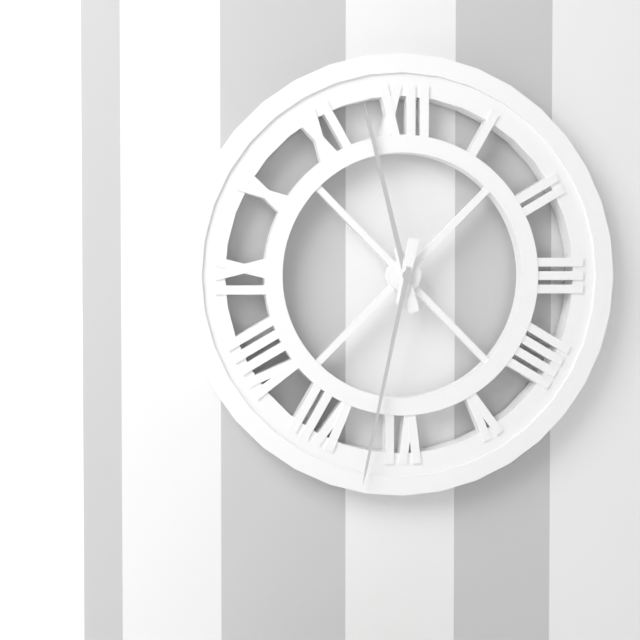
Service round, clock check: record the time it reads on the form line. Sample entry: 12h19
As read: 11h32
